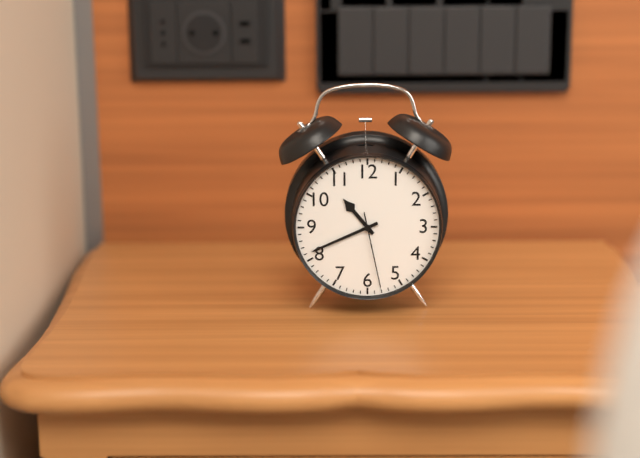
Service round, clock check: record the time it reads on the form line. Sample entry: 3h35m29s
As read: 10h41m28s
